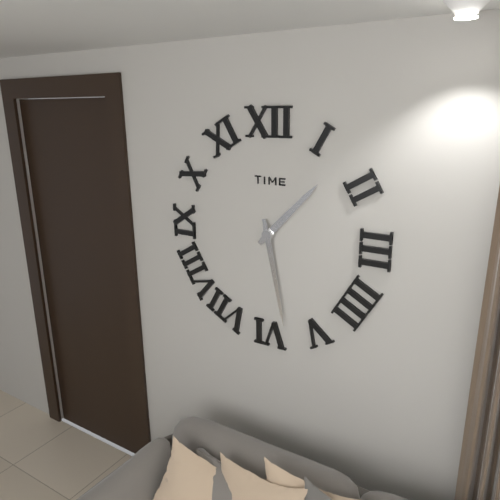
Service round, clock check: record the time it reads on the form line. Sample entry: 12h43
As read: 1h28
